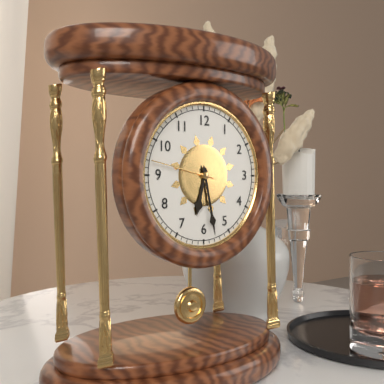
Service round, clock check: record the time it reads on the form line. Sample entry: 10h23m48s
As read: 6h28m47s
